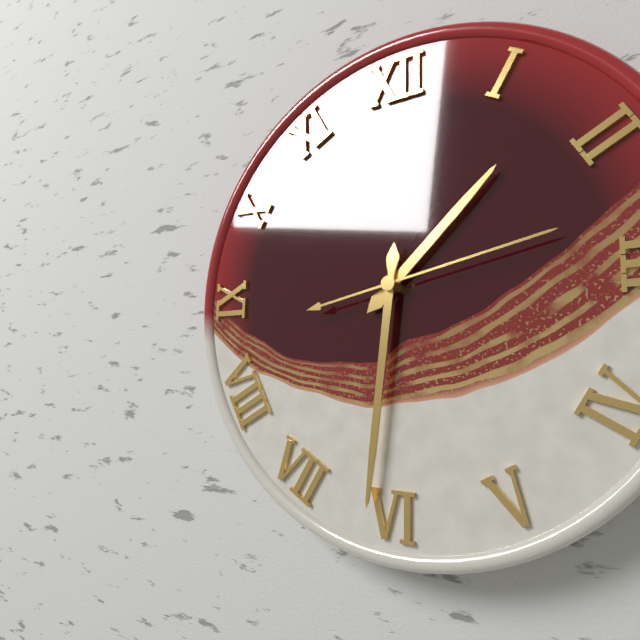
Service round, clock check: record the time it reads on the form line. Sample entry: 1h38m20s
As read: 1h31m13s
